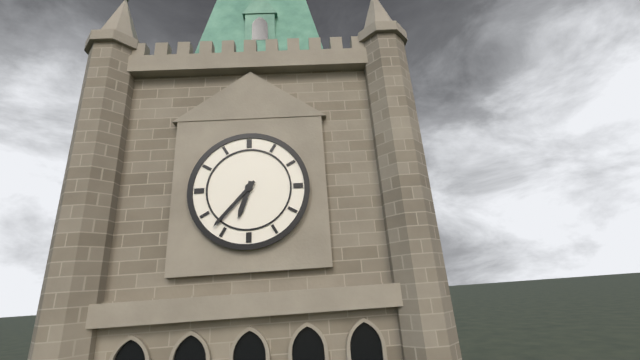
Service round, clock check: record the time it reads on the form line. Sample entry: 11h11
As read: 6h37
